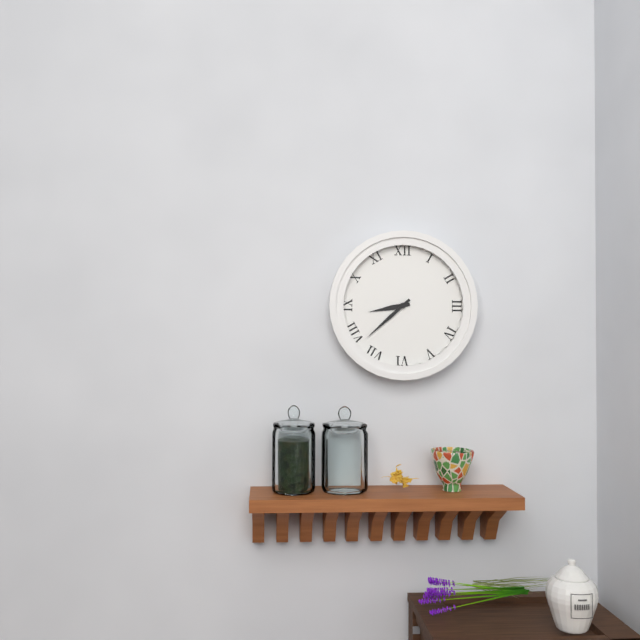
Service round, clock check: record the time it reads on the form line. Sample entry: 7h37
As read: 8h38
